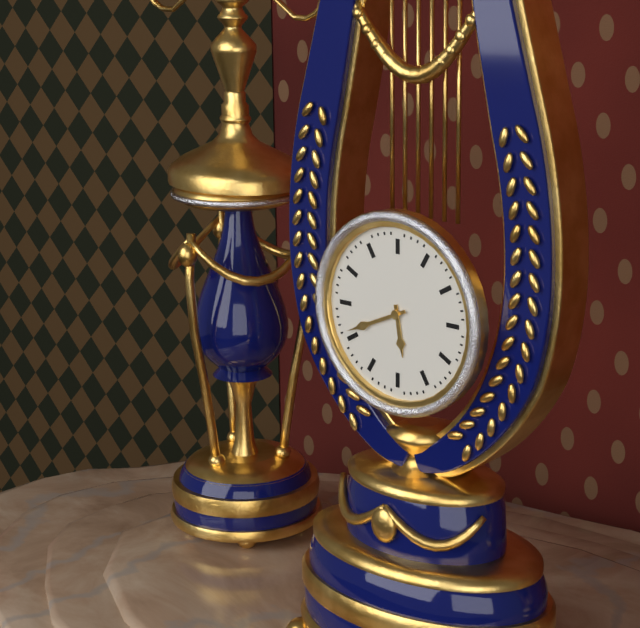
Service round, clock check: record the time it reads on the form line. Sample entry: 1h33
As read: 5h41
